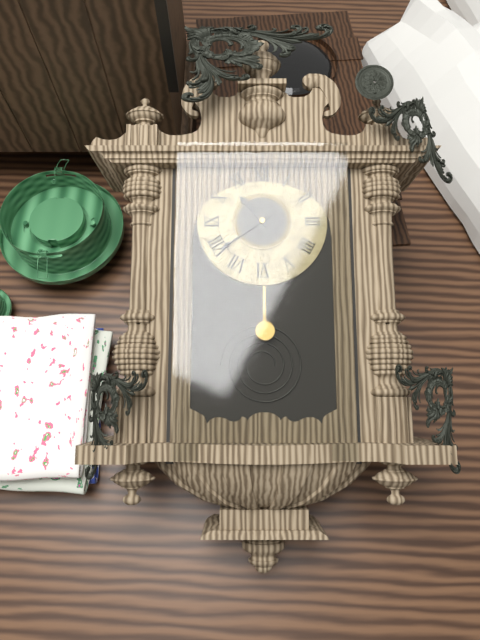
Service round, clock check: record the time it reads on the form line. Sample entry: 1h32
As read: 10h39
